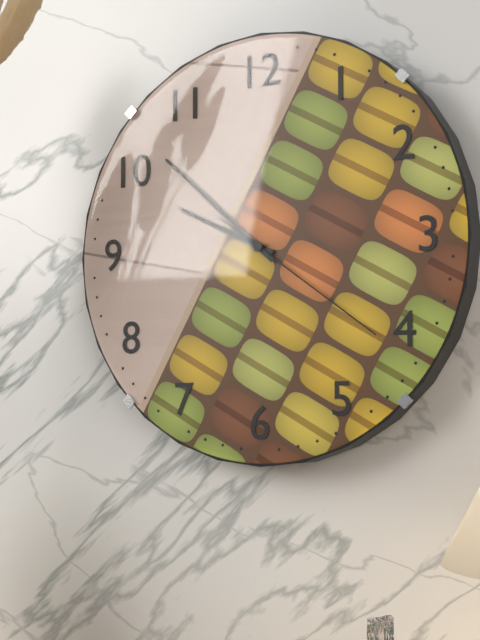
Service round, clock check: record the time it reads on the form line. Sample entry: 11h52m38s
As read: 9h52m21s
